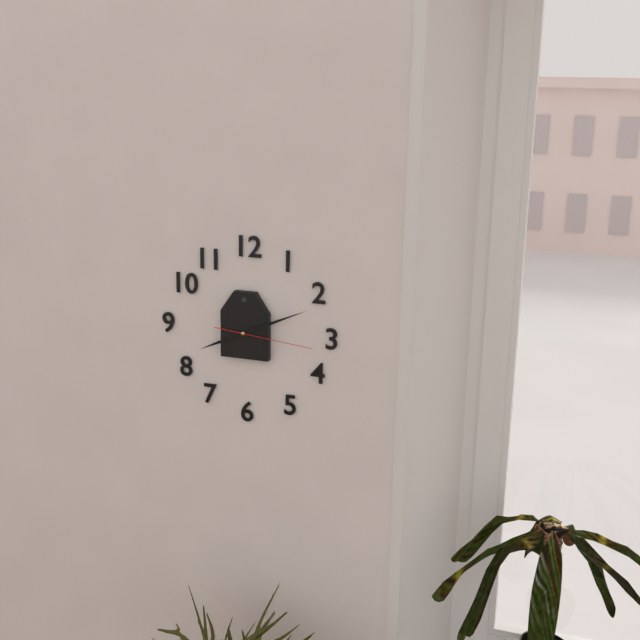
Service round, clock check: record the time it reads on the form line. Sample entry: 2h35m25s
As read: 8h11m16s
